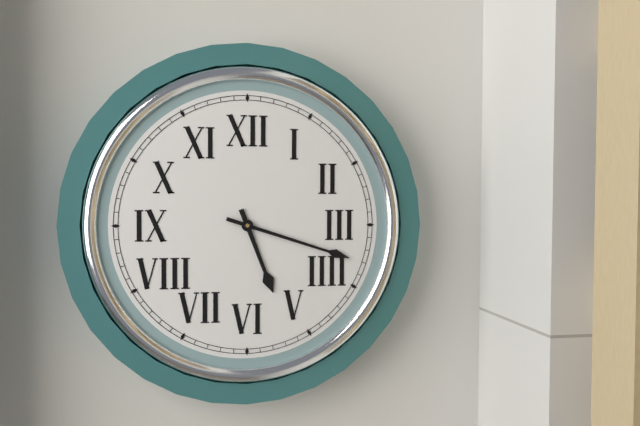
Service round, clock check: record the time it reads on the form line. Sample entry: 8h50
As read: 5h18
